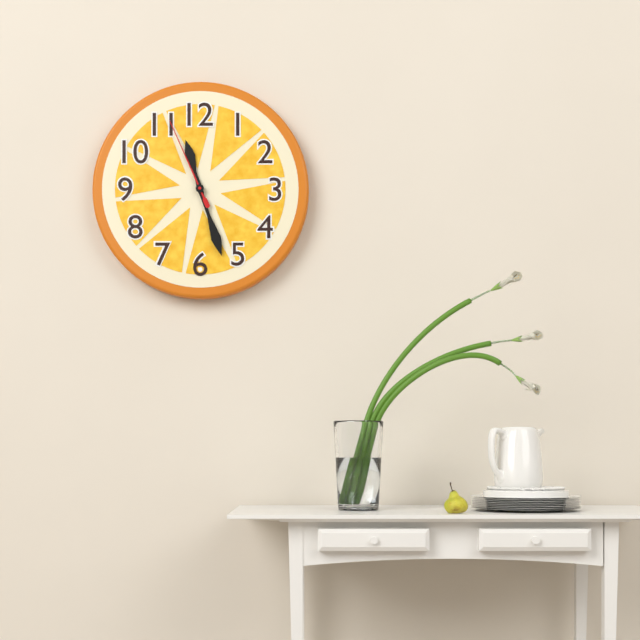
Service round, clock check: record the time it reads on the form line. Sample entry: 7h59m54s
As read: 11h27m56s
